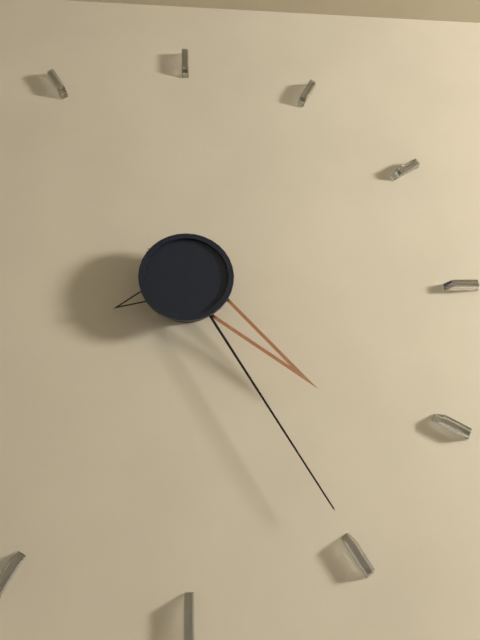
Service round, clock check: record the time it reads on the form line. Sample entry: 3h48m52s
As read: 4h25m41s
